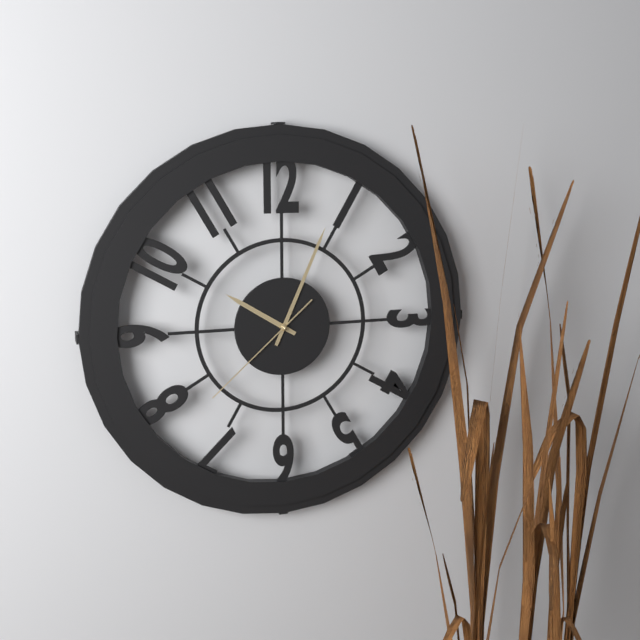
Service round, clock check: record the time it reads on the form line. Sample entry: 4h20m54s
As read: 10h04m38s
